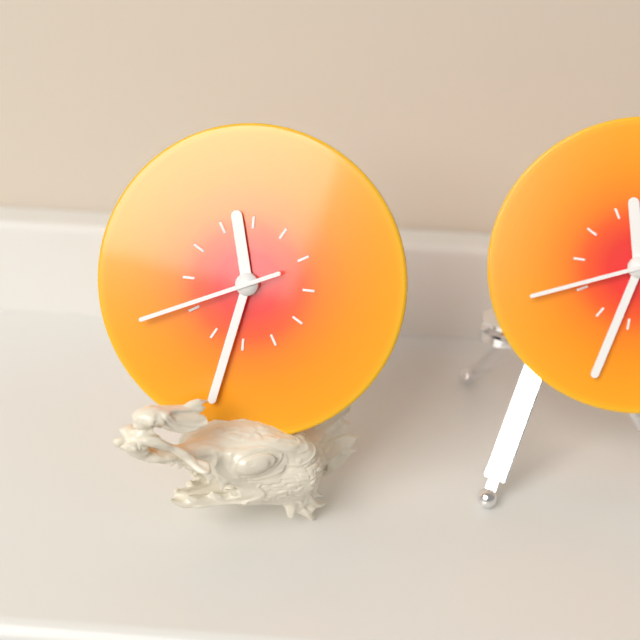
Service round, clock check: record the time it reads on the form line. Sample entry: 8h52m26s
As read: 11h32m41s
